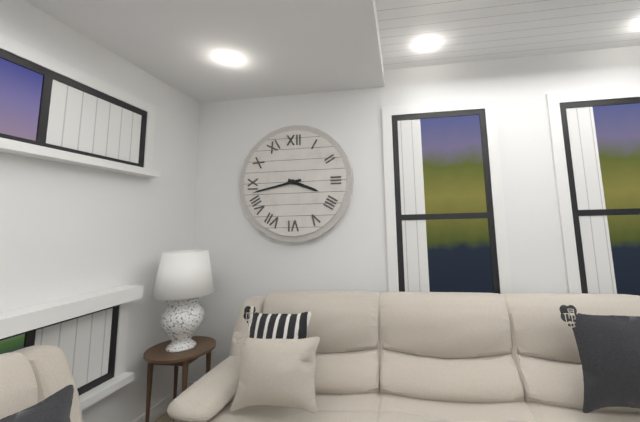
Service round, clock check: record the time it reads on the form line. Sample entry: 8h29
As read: 3h43
